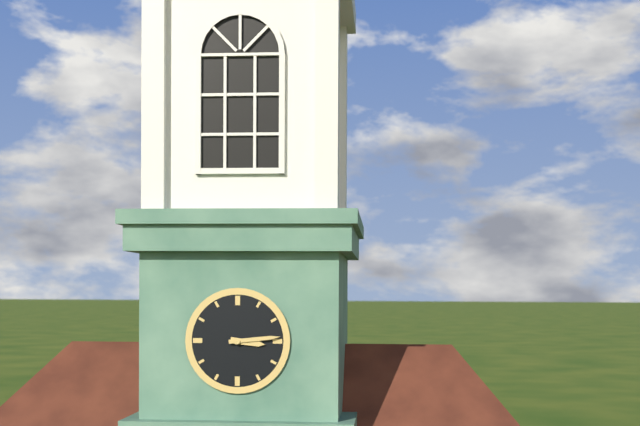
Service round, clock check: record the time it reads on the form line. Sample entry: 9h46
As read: 3h14
